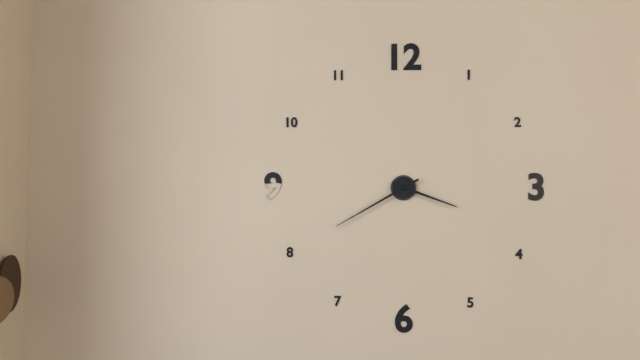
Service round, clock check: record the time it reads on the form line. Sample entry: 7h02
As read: 3h40
